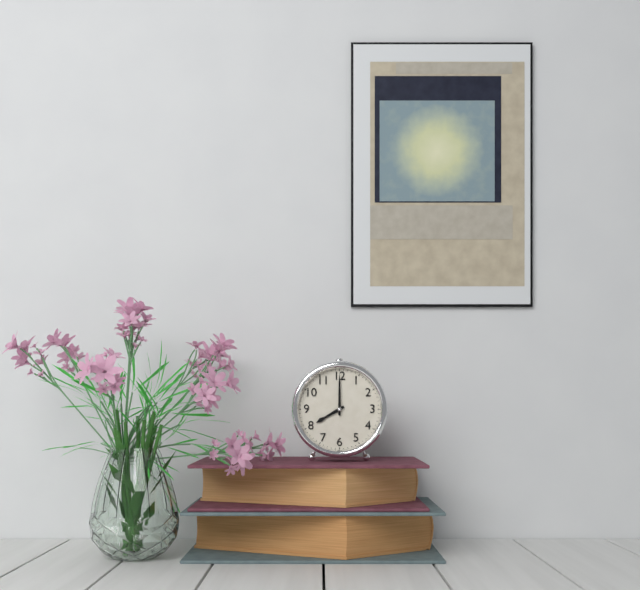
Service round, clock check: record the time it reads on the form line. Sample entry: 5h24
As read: 8h00
